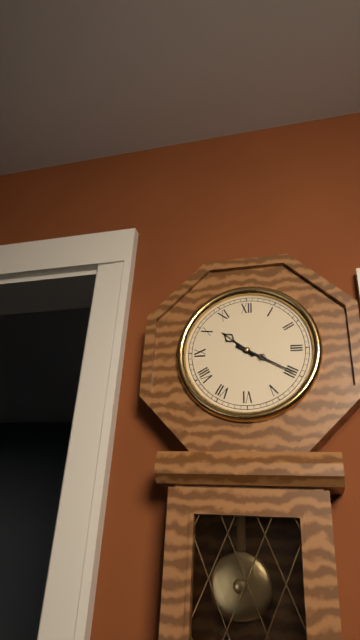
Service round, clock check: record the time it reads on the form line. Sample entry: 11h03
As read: 10h20
